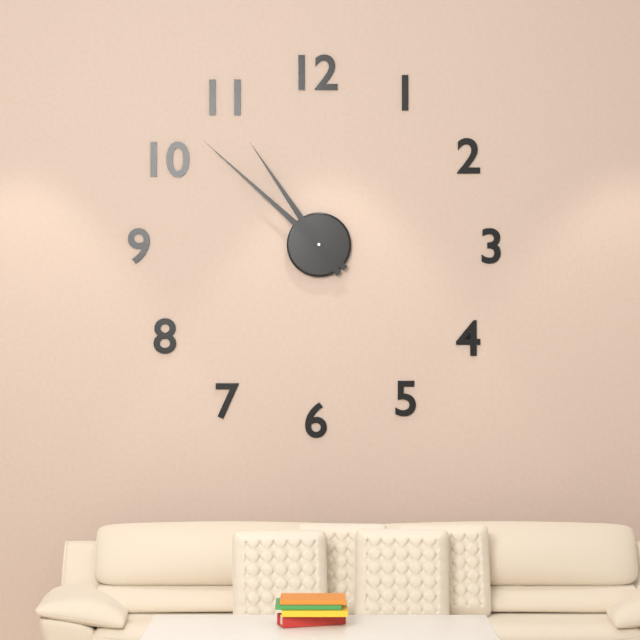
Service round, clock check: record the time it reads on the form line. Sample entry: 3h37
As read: 10h52
